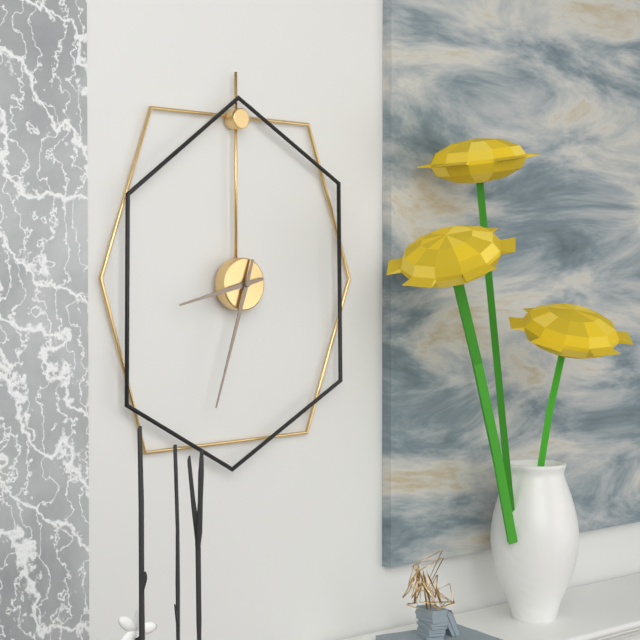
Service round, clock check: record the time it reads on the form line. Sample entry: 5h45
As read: 8h33
